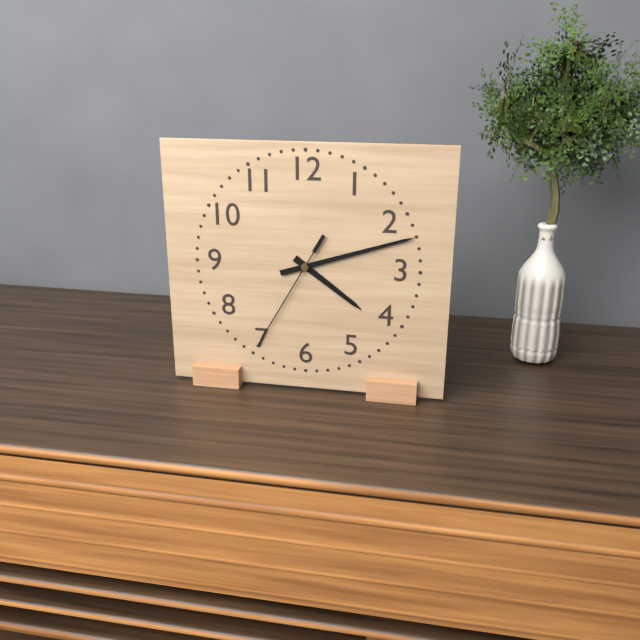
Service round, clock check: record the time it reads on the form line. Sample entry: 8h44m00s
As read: 4h12m35s
